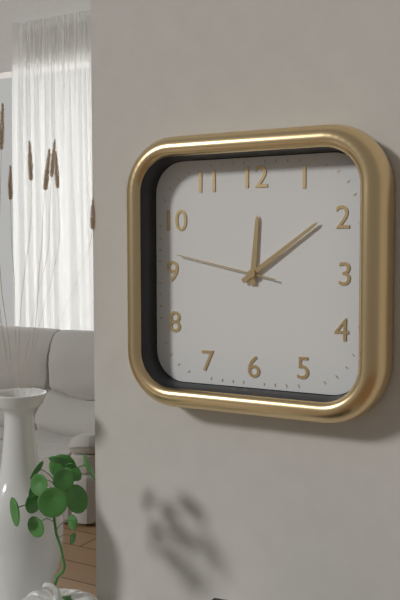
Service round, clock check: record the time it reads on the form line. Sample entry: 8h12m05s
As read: 12h09m47s
